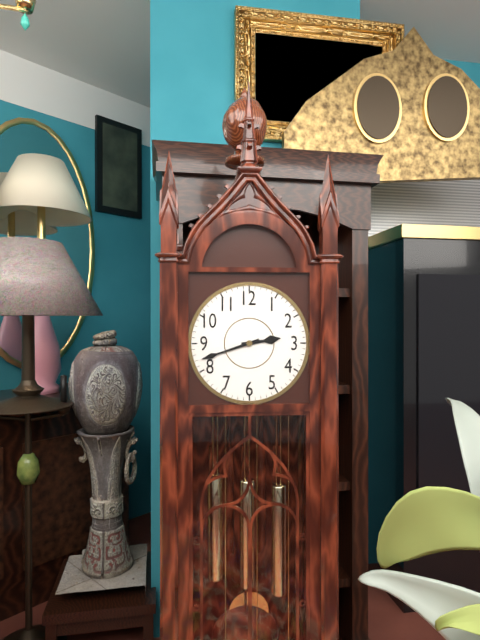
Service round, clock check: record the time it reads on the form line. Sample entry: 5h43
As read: 2h42
